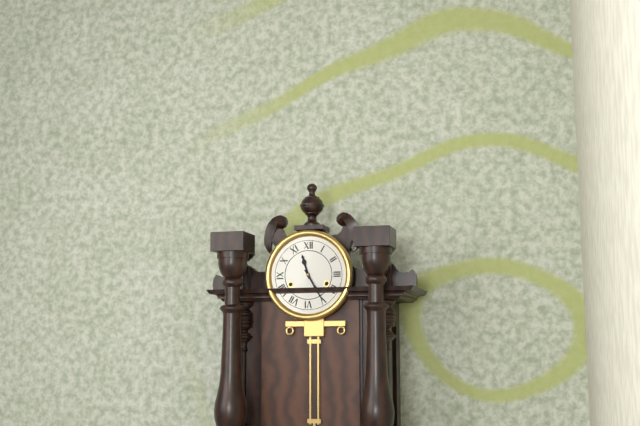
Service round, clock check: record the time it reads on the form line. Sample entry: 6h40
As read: 11h25
